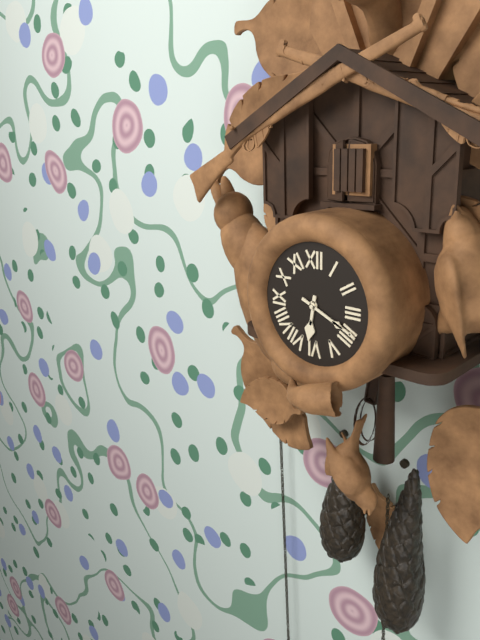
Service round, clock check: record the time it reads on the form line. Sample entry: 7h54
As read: 6h19
